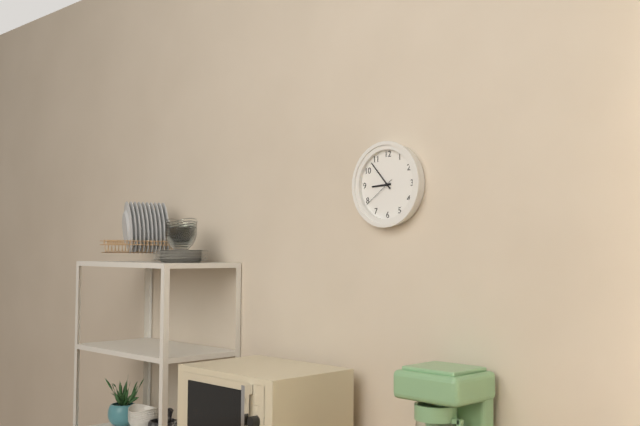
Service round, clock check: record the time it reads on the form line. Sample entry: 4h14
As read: 8h53
